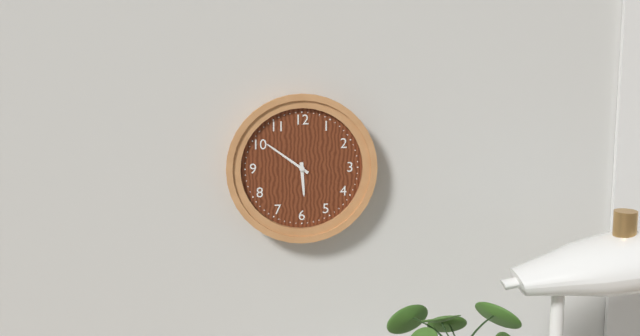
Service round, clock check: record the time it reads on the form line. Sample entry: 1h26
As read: 5h51
